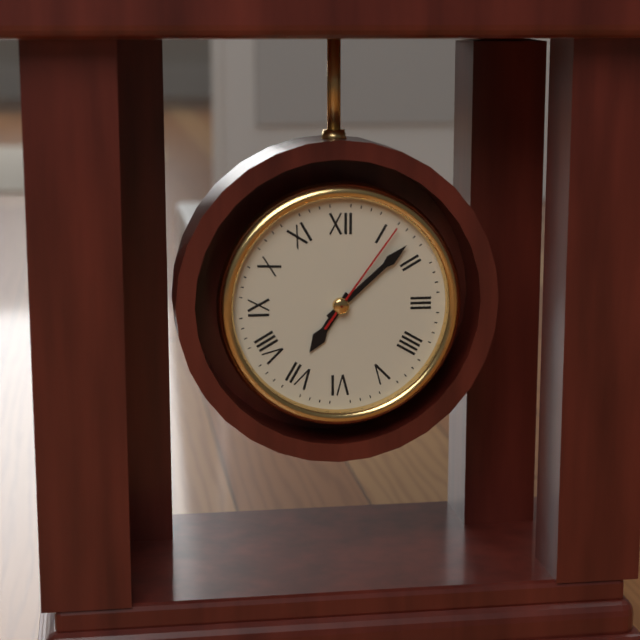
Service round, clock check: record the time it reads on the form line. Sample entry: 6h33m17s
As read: 7h08m06s
